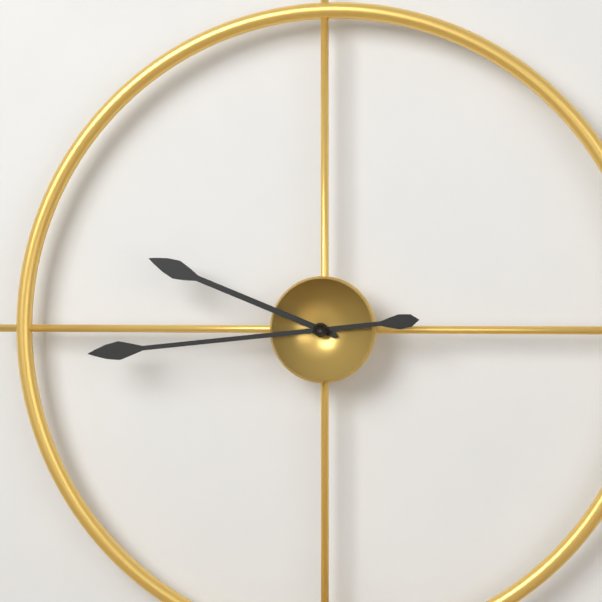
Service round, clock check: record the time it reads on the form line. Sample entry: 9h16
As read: 9h44
